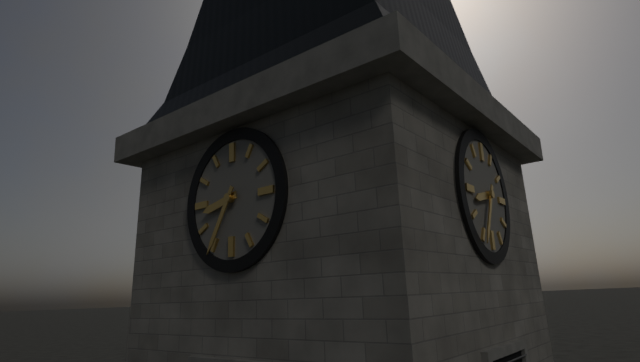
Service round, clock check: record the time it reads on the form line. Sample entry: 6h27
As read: 8h35
